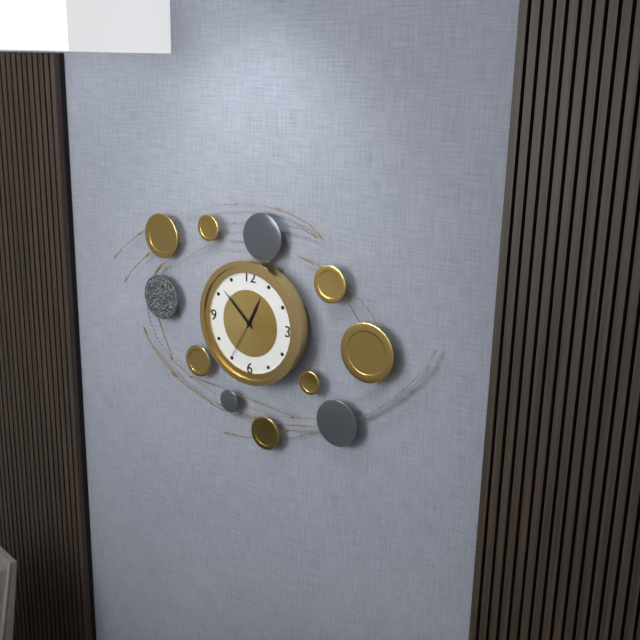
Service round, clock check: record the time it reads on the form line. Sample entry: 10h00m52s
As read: 12h52m35s
